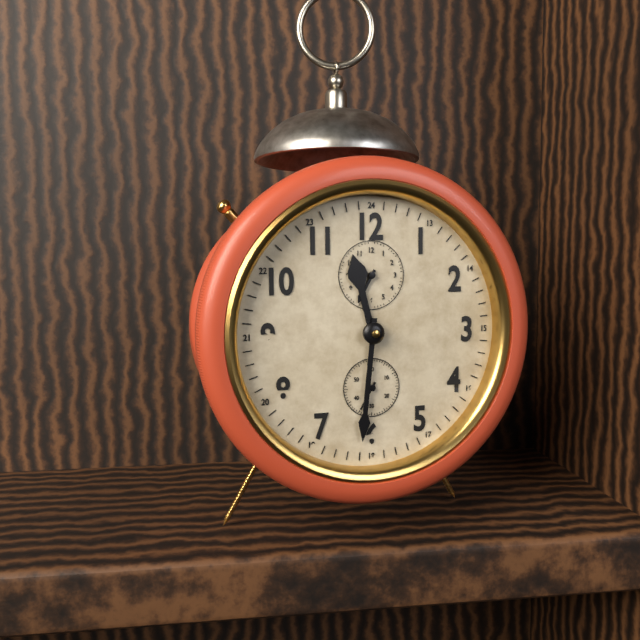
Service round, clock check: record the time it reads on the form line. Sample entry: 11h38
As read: 11h31
